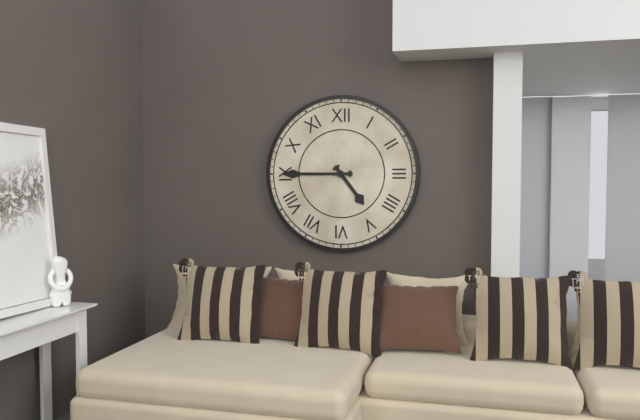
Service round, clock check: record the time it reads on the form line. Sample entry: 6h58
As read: 4h45
